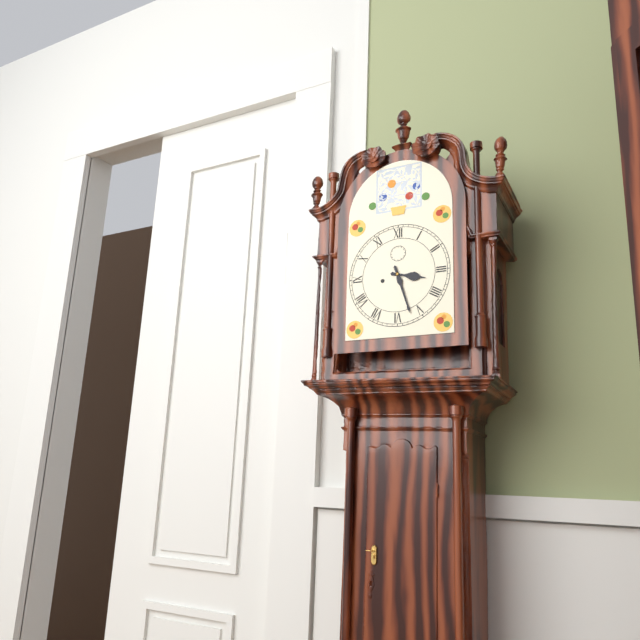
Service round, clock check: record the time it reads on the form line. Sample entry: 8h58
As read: 3h27
